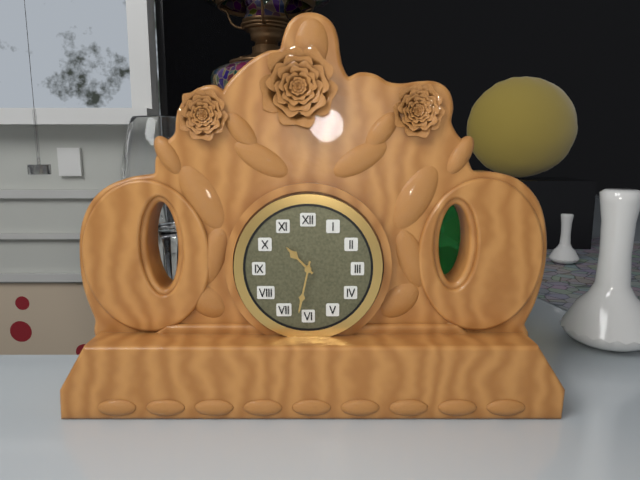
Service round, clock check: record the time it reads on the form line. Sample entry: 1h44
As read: 10h32
